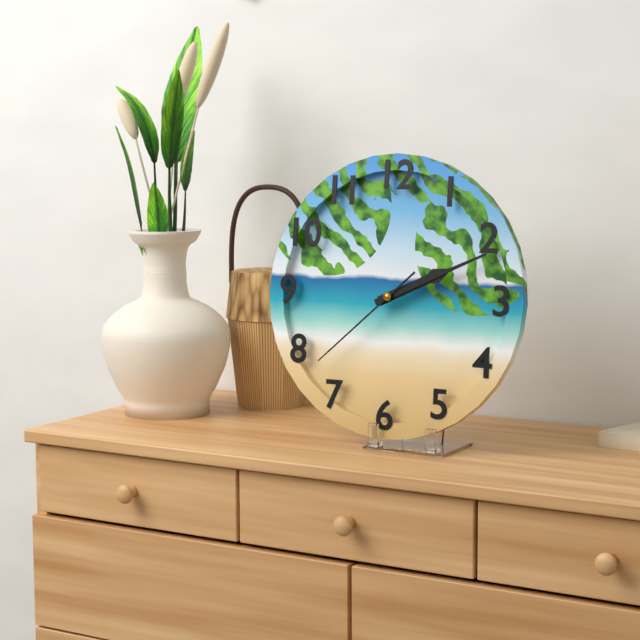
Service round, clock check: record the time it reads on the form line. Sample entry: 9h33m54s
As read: 2h11m38s
